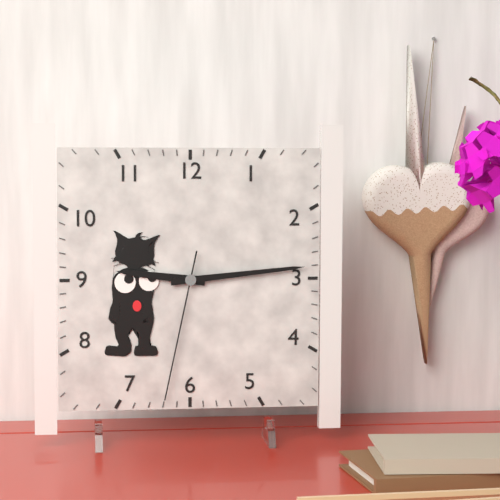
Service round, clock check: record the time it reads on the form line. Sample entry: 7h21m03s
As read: 9h14m32s
